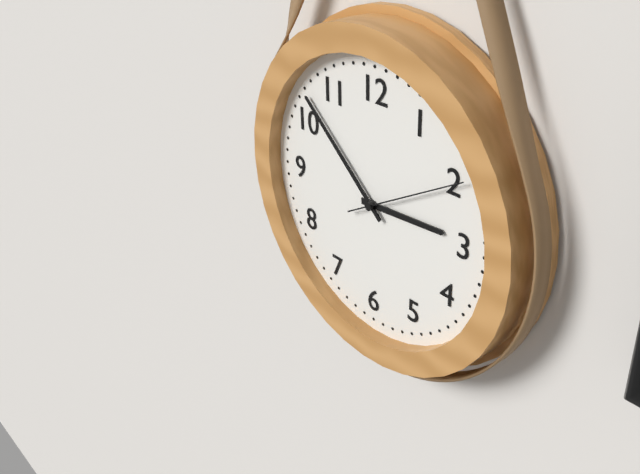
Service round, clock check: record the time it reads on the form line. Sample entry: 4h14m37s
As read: 2h52m10s
